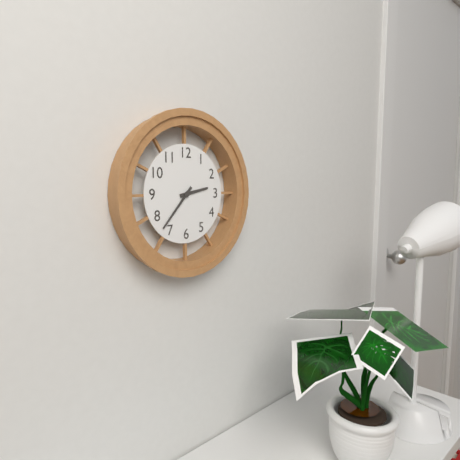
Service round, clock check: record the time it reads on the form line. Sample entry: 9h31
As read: 2h37
